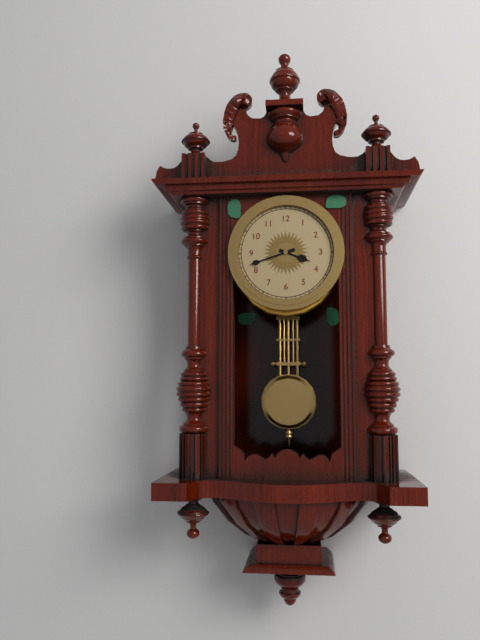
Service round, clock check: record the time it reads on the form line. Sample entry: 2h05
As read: 3h42
